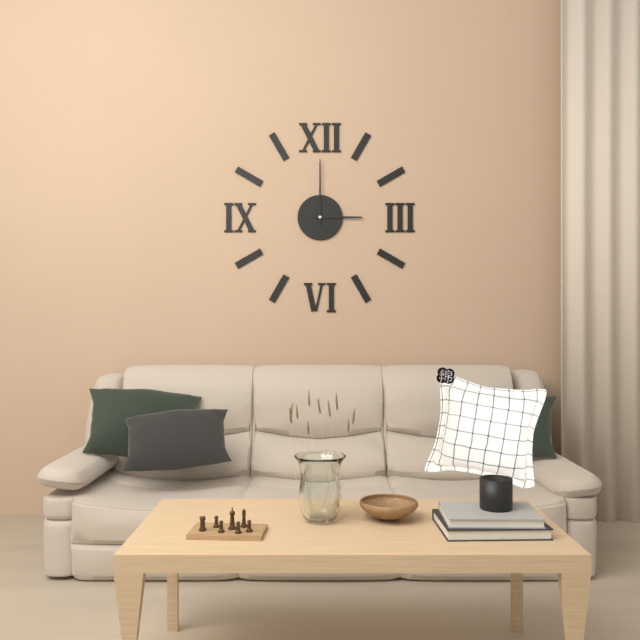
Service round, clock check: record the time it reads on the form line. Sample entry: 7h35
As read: 3h00
